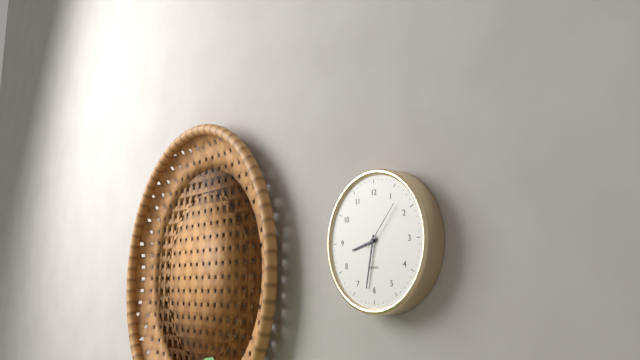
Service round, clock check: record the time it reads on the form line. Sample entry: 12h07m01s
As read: 8h32m07s
